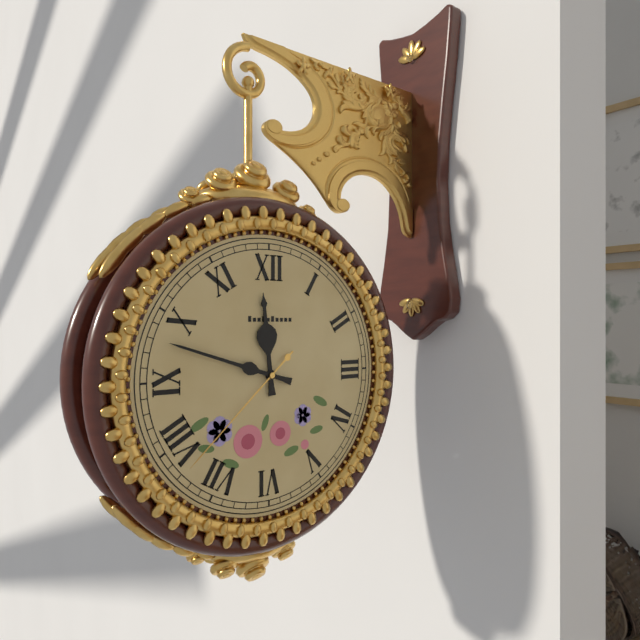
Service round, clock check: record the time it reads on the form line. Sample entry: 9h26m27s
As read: 11h48m38s
